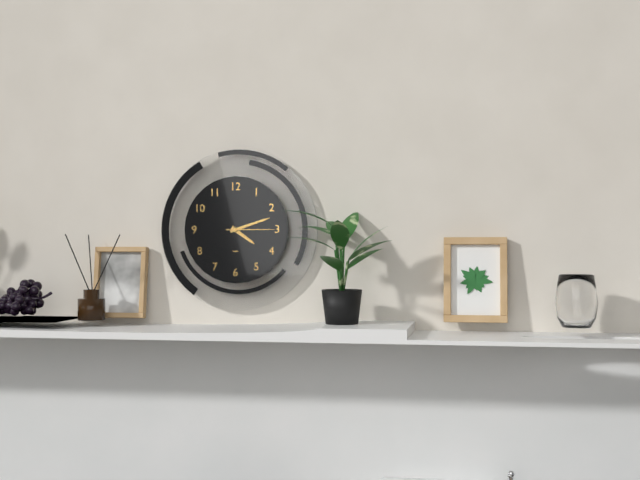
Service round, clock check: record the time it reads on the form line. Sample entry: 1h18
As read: 4h12
